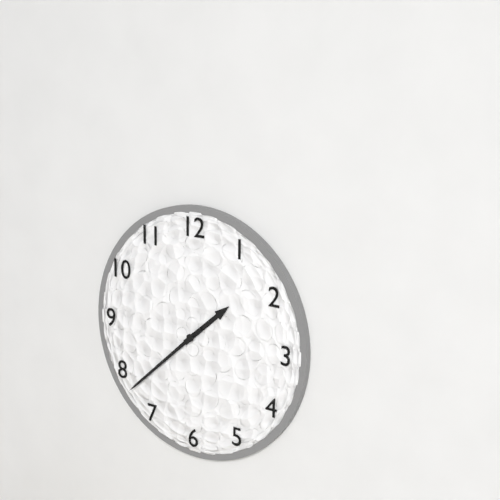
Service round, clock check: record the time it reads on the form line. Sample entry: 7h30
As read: 1h38
